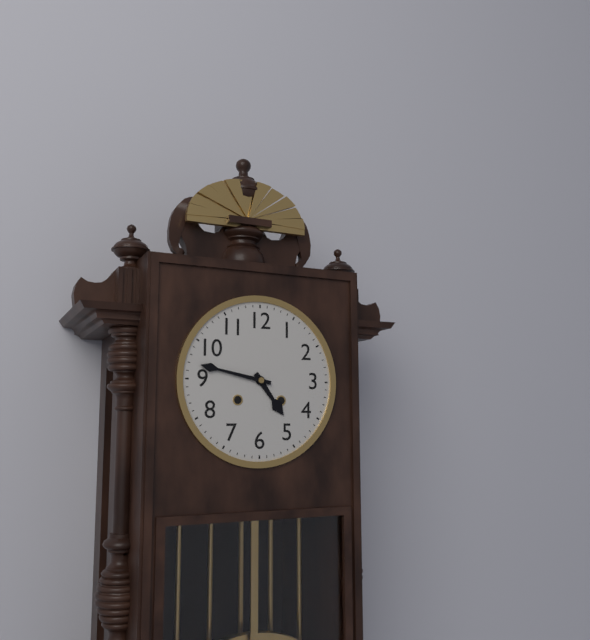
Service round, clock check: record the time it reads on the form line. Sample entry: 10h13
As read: 4h47
